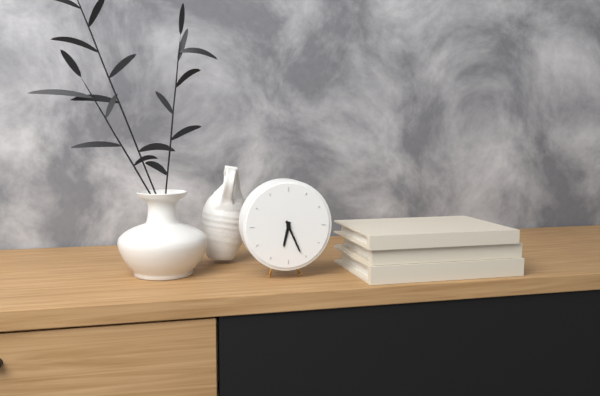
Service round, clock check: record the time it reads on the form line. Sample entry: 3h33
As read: 6h26
